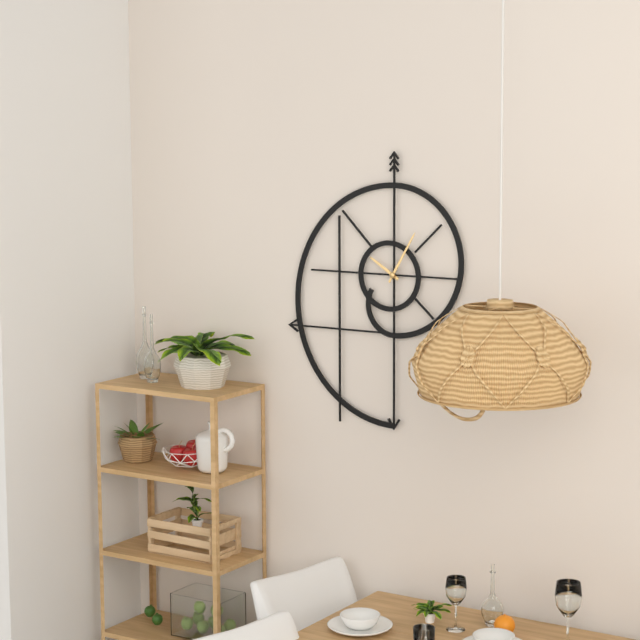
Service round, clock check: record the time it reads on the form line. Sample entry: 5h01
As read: 10h05
